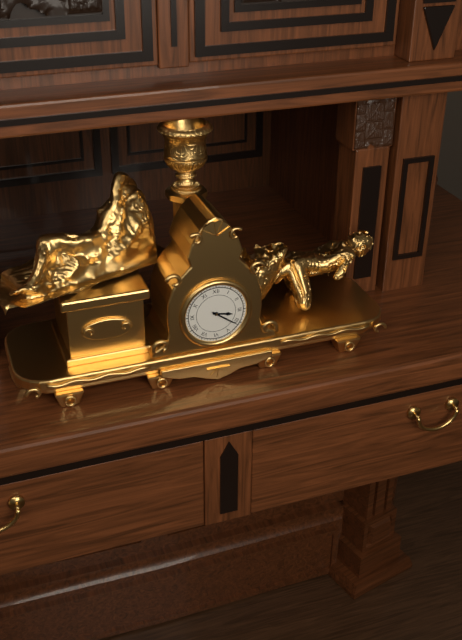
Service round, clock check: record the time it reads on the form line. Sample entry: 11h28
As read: 3h21
